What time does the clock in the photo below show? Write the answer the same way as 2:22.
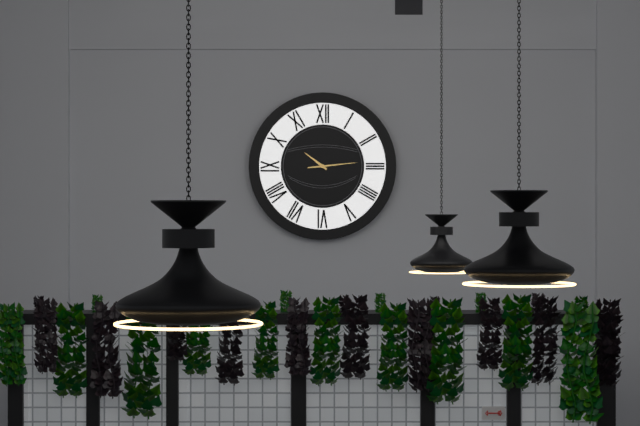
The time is 10:14
